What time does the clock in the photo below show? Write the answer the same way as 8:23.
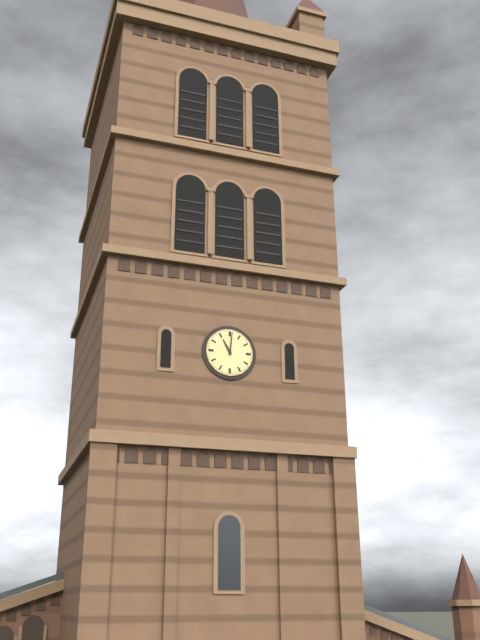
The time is 11:01
